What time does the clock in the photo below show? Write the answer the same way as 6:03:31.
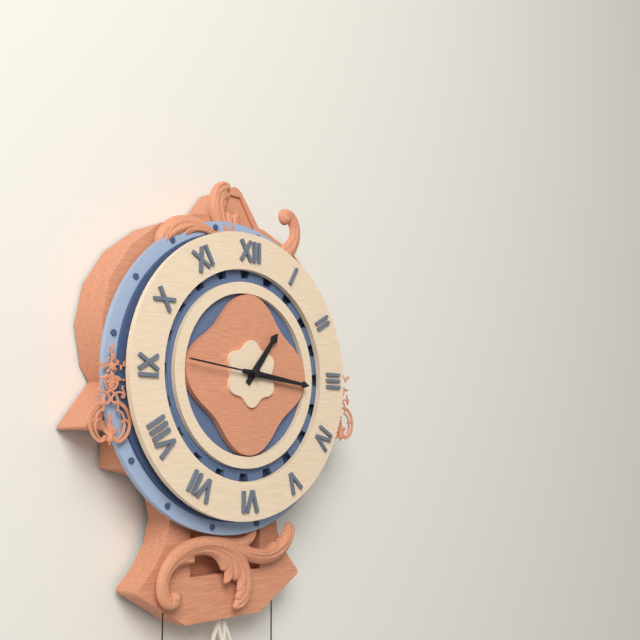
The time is 1:16:46
